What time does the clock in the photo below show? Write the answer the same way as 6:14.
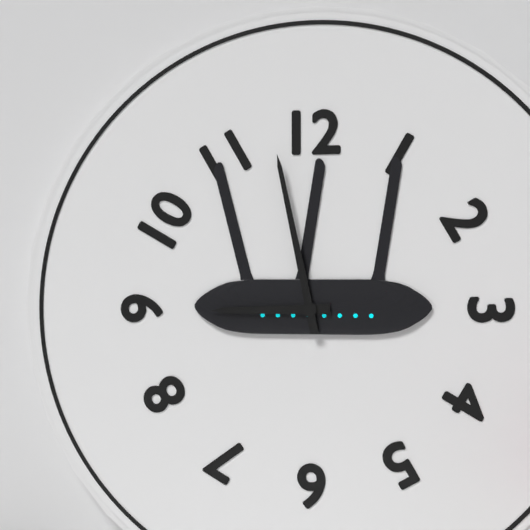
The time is 8:58
